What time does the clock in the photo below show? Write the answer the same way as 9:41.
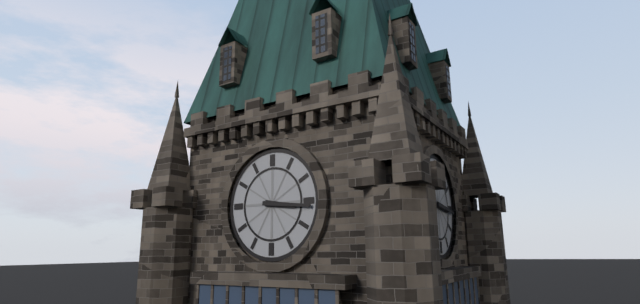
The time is 3:16
